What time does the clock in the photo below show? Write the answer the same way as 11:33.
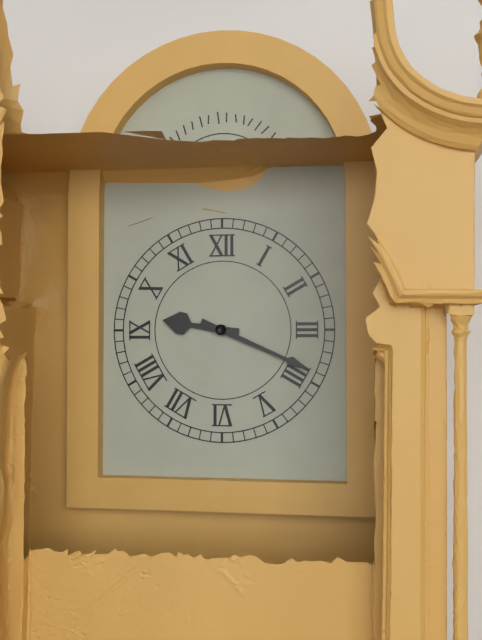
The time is 9:19
